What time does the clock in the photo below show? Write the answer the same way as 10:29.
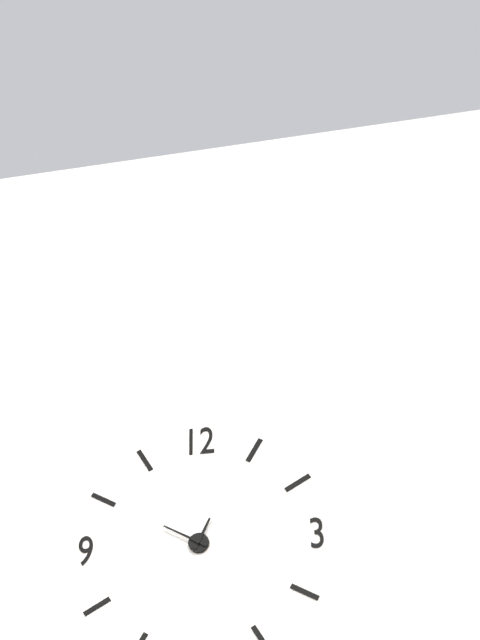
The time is 12:50
